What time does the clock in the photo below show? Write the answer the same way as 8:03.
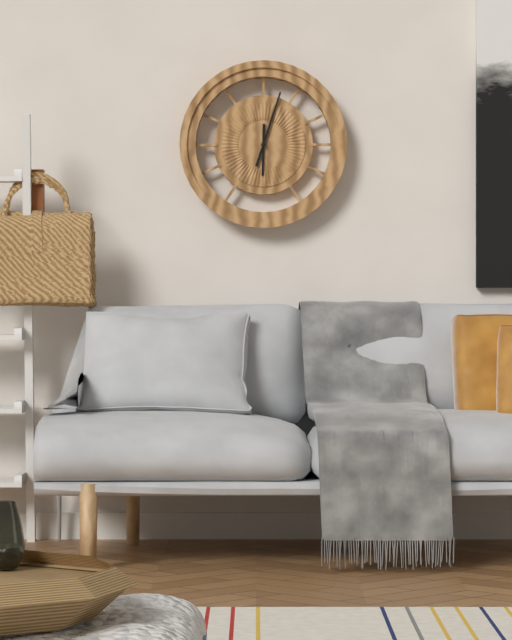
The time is 6:03
